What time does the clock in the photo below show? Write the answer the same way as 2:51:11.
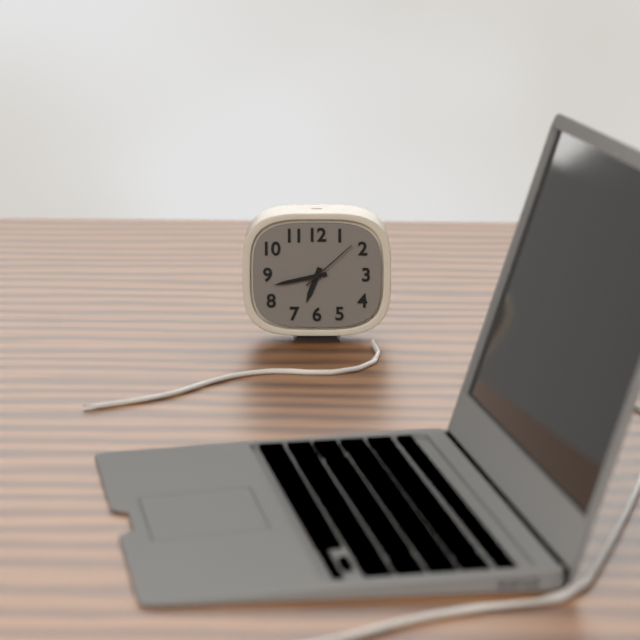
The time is 6:43:08
